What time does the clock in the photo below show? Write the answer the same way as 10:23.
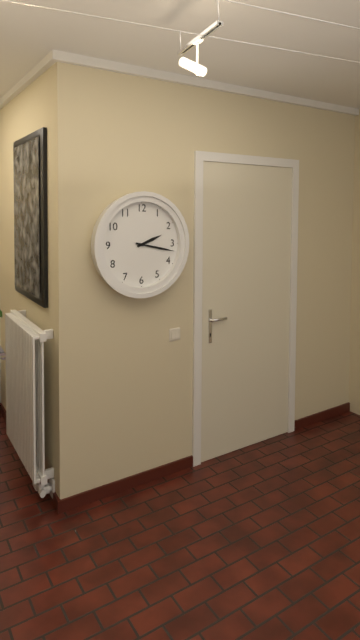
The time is 2:17
